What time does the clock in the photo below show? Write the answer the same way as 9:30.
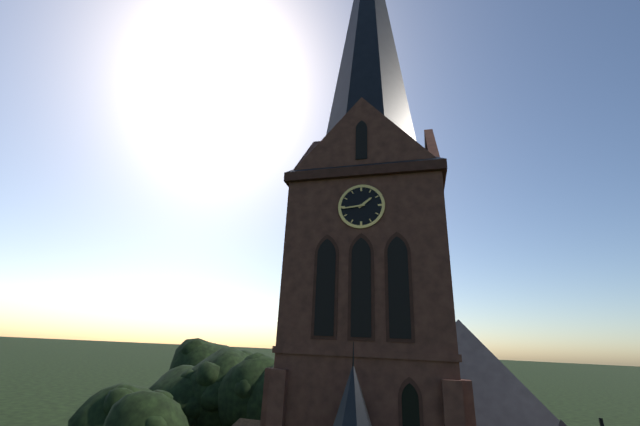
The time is 1:44
